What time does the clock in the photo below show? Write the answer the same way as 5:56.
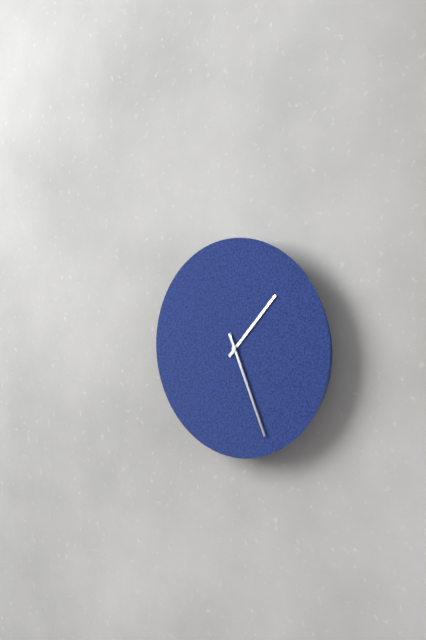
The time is 1:26
